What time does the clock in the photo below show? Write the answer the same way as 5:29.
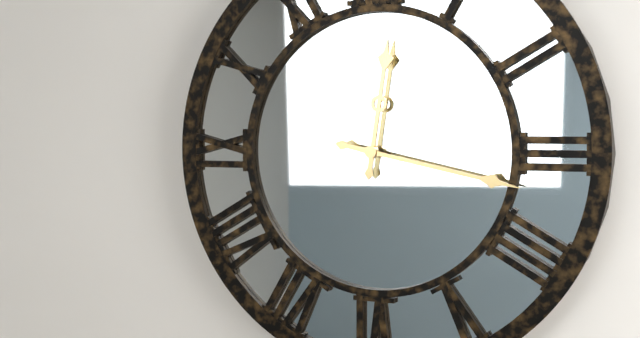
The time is 12:17
